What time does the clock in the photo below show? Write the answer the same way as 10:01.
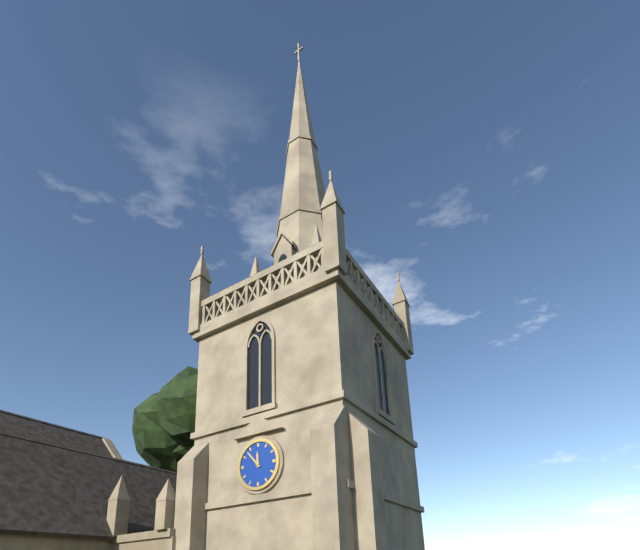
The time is 11:53
